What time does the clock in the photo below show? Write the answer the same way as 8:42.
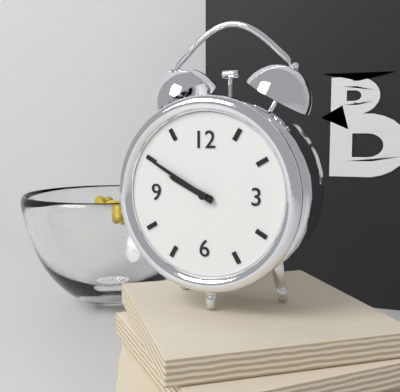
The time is 9:50
